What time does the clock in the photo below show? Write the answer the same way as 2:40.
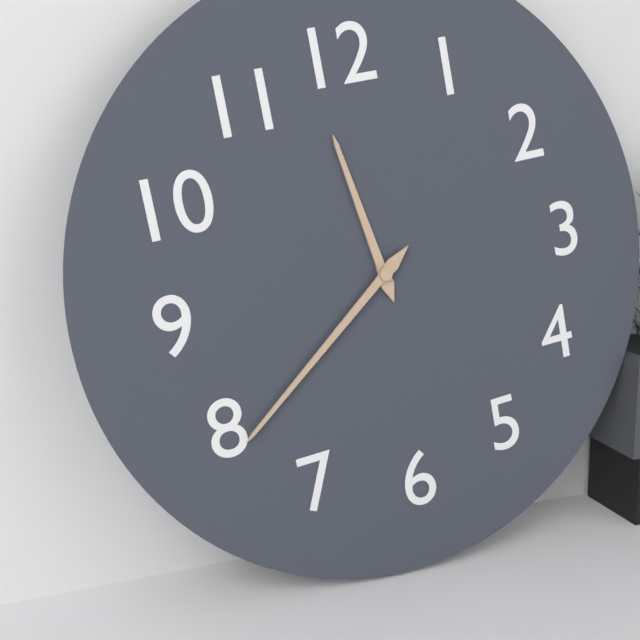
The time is 11:39
